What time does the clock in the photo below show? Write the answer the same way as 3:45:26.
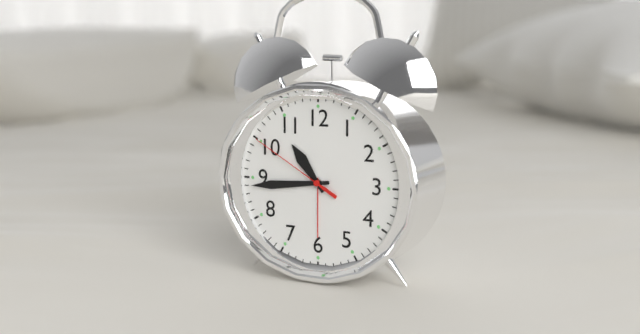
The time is 10:44:50
